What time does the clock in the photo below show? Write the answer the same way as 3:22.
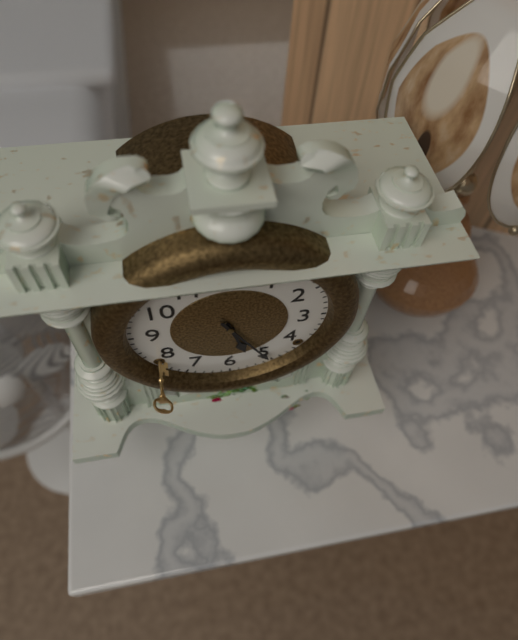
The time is 5:25
